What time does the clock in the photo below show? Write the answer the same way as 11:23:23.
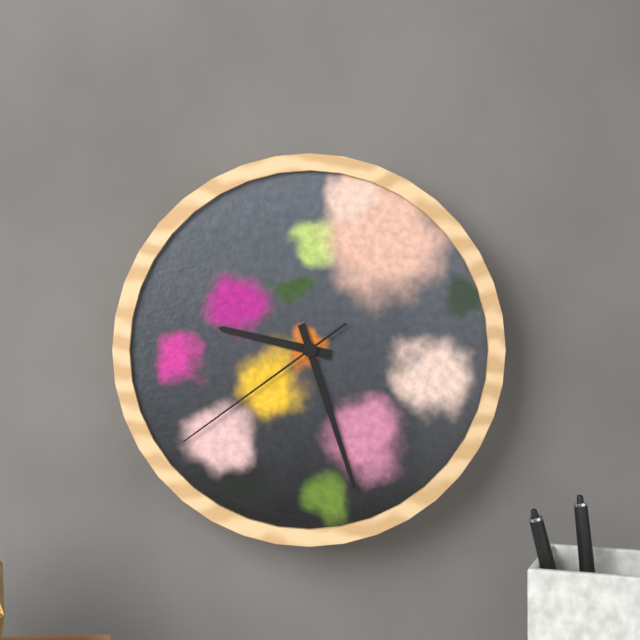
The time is 9:27:39
